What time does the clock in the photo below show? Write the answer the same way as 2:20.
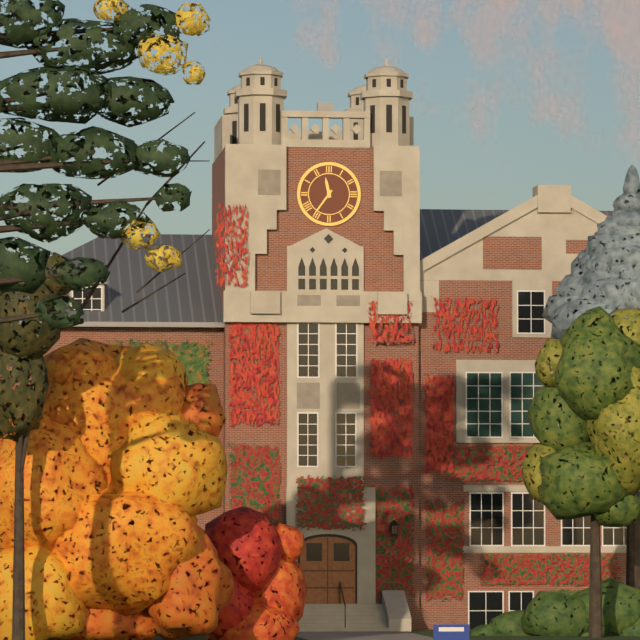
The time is 11:36
